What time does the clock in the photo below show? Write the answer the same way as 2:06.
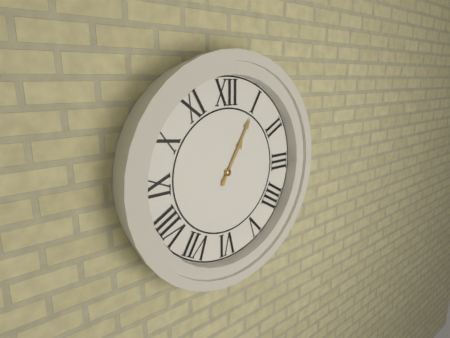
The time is 1:05
